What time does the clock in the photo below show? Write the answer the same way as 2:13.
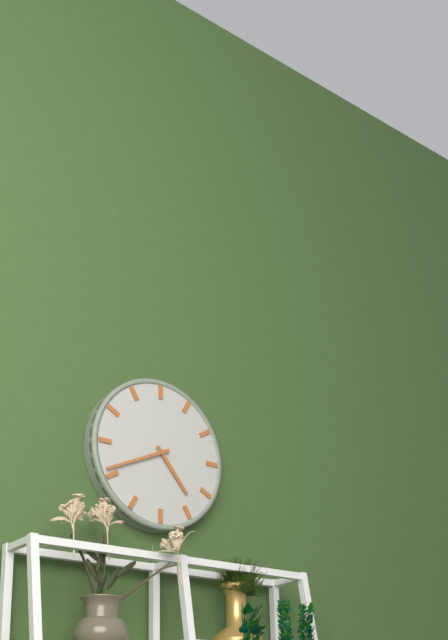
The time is 4:41
